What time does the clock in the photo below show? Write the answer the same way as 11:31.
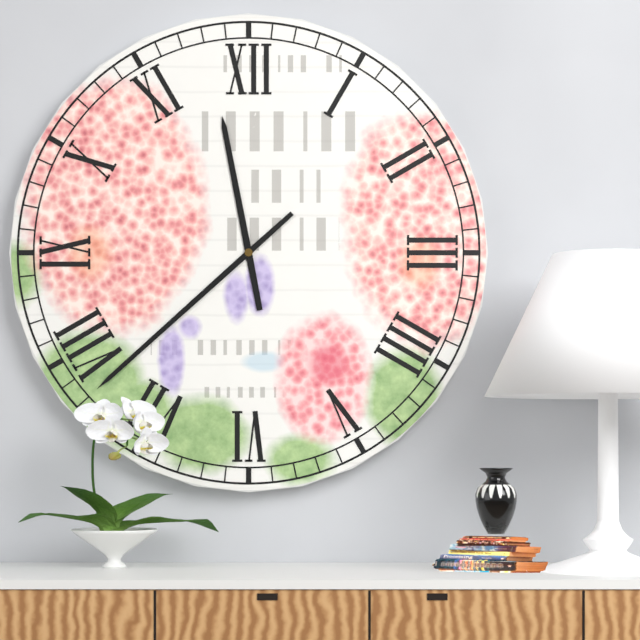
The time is 11:38
